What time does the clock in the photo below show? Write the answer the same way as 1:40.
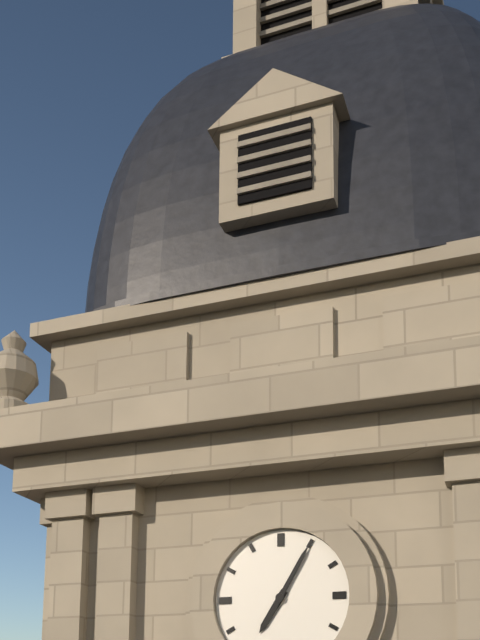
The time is 7:05
